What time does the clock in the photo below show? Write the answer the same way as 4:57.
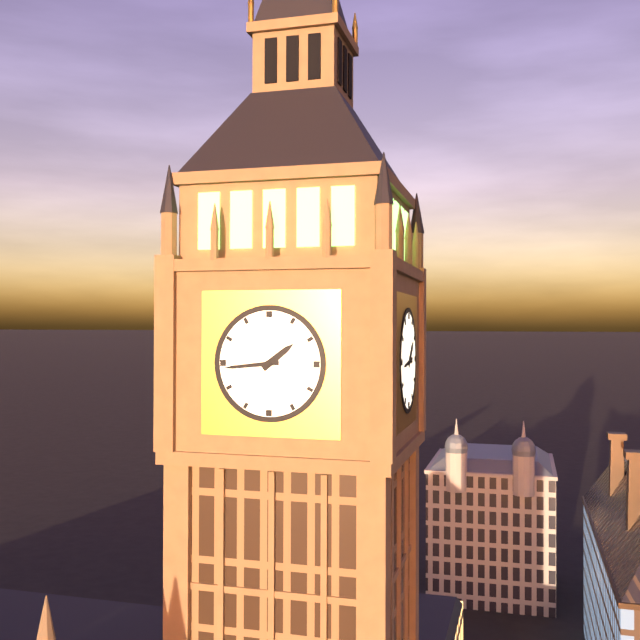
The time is 1:44
